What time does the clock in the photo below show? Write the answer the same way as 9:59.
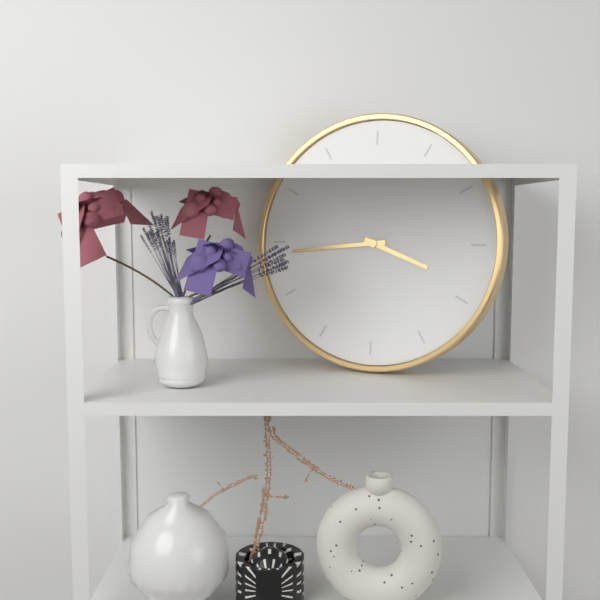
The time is 3:44
